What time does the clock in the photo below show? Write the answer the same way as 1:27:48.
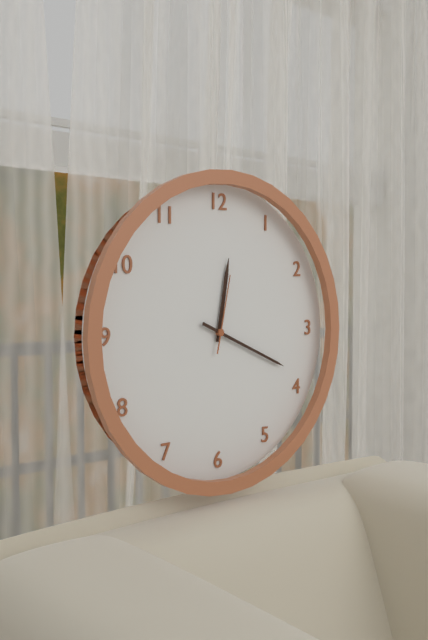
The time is 12:19:02
